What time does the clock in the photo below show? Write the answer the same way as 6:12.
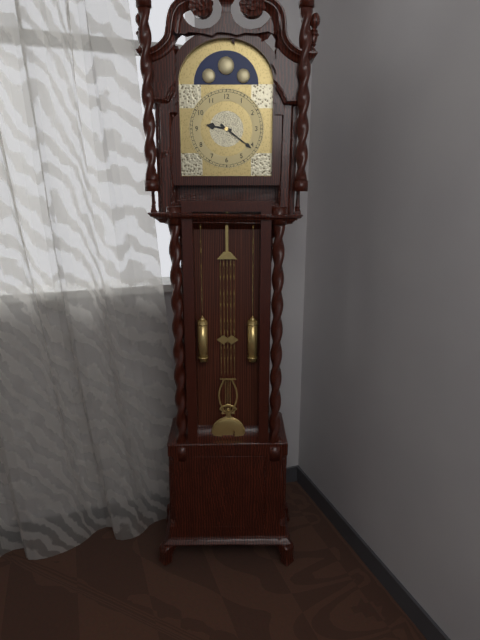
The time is 9:21
